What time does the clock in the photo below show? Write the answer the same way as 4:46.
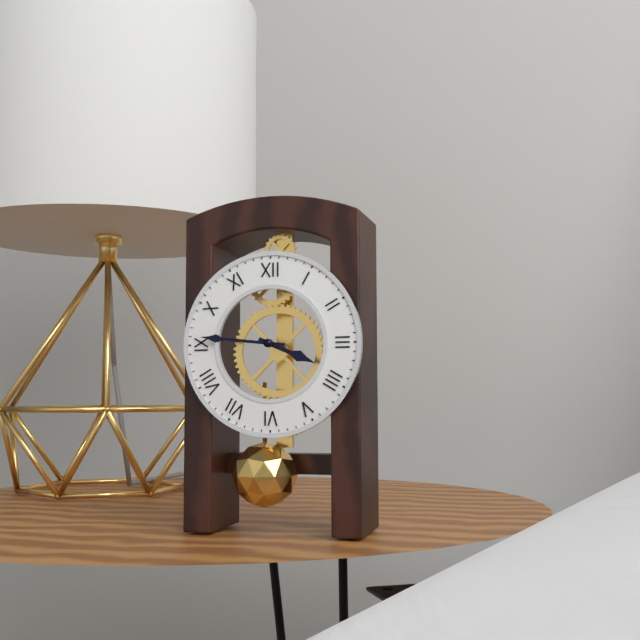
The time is 3:46
